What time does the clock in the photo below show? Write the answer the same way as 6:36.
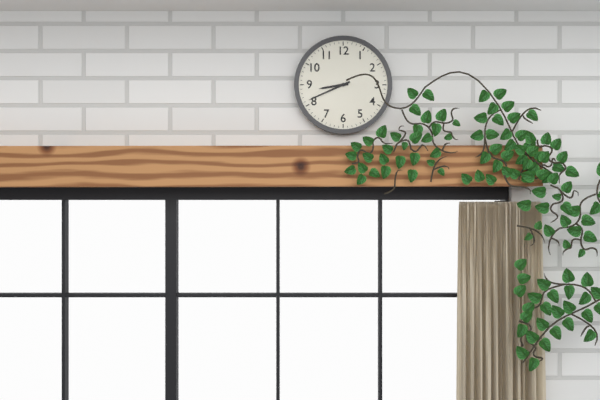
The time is 8:41
